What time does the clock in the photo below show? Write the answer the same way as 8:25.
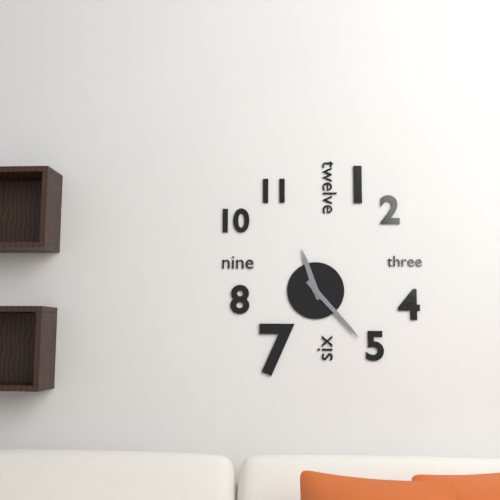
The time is 11:23
